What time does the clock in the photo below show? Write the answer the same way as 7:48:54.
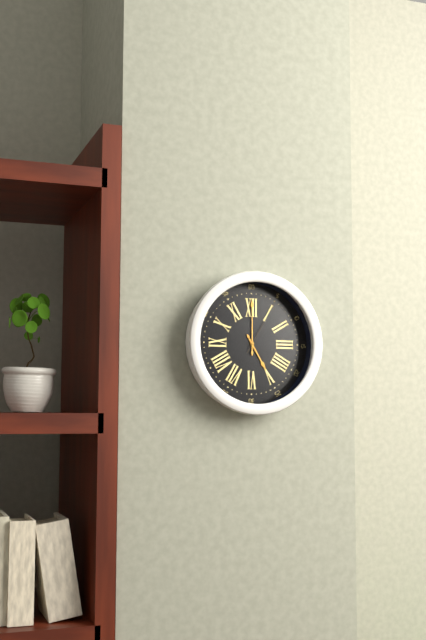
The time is 5:00:05
